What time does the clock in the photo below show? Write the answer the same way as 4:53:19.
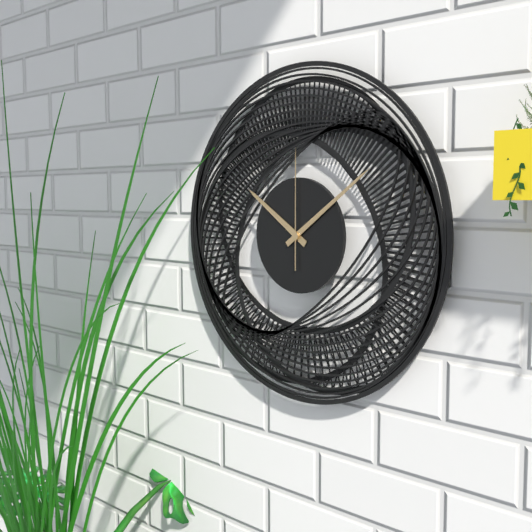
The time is 10:09:00
